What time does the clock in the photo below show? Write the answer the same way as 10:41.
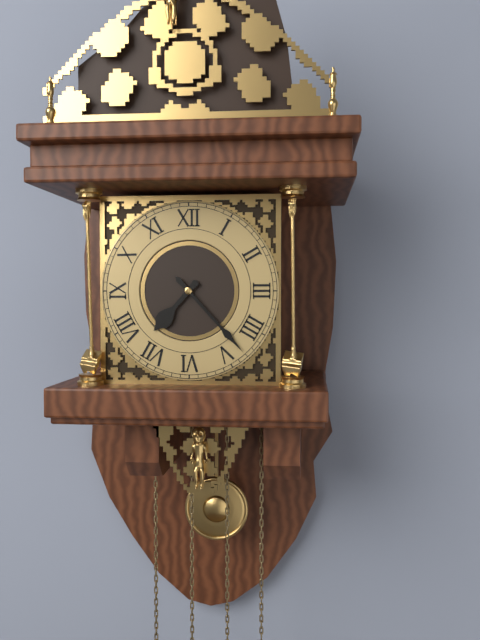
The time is 7:23
